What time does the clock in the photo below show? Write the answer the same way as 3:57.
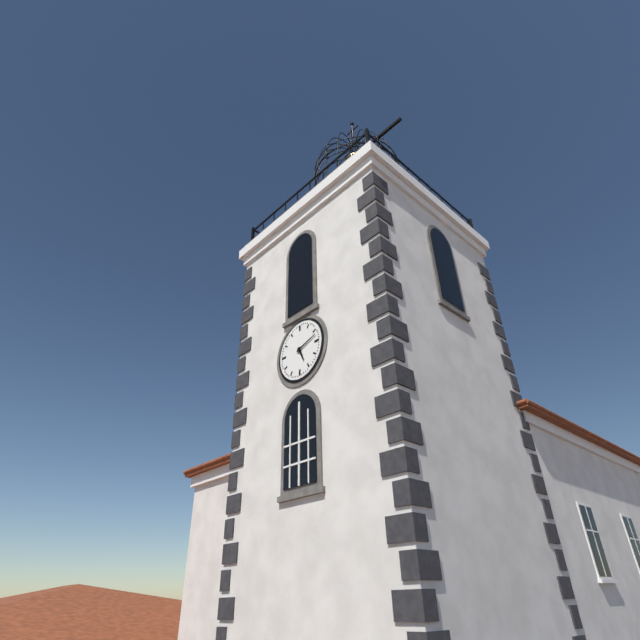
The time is 5:12
